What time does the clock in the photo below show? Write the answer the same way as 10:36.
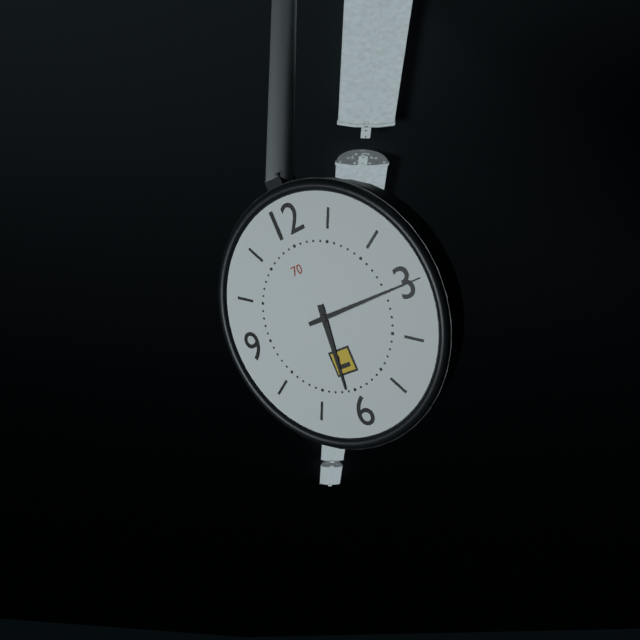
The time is 6:15
